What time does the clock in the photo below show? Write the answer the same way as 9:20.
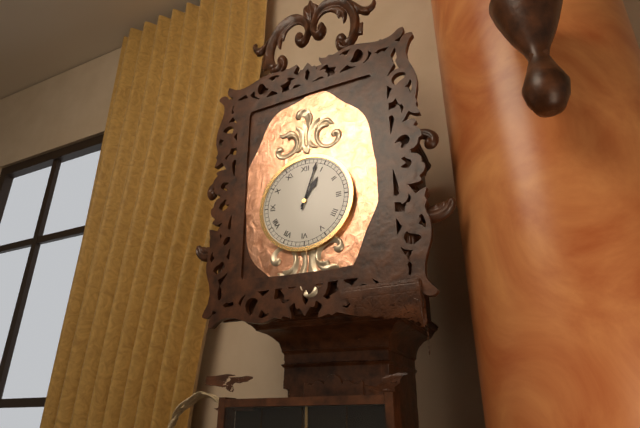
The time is 1:03
